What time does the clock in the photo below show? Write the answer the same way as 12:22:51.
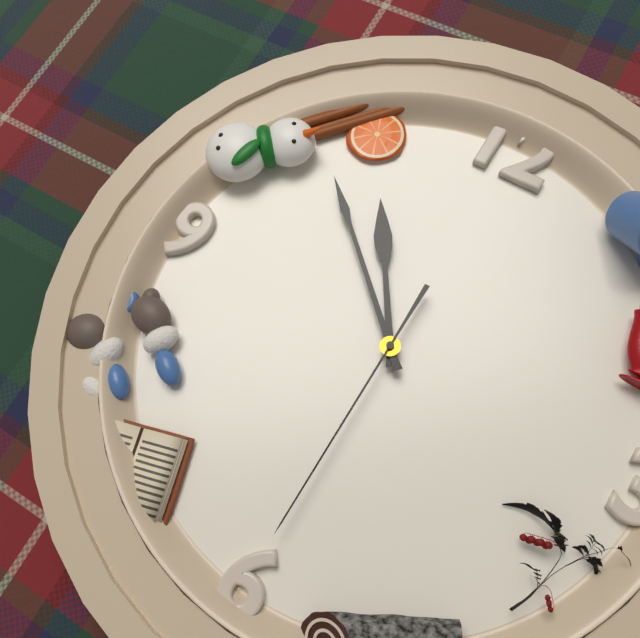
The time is 10:52:30
